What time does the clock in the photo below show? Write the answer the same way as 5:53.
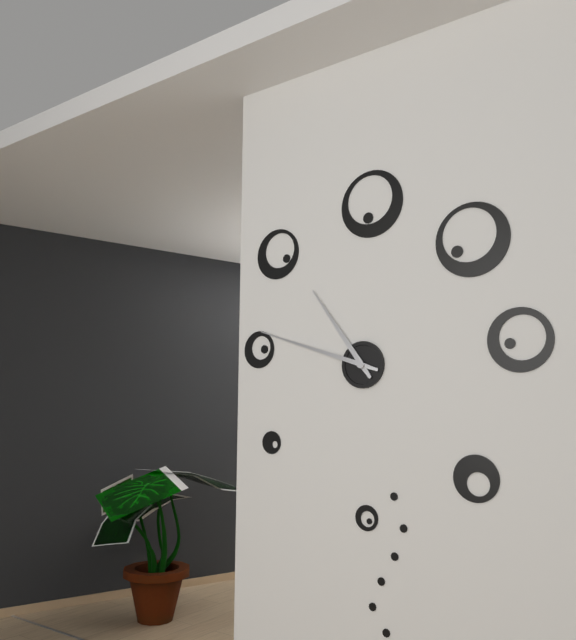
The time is 10:48
